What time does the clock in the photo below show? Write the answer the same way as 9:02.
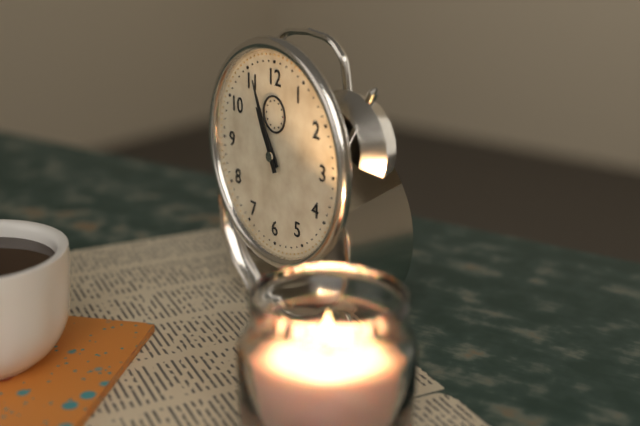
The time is 10:56
